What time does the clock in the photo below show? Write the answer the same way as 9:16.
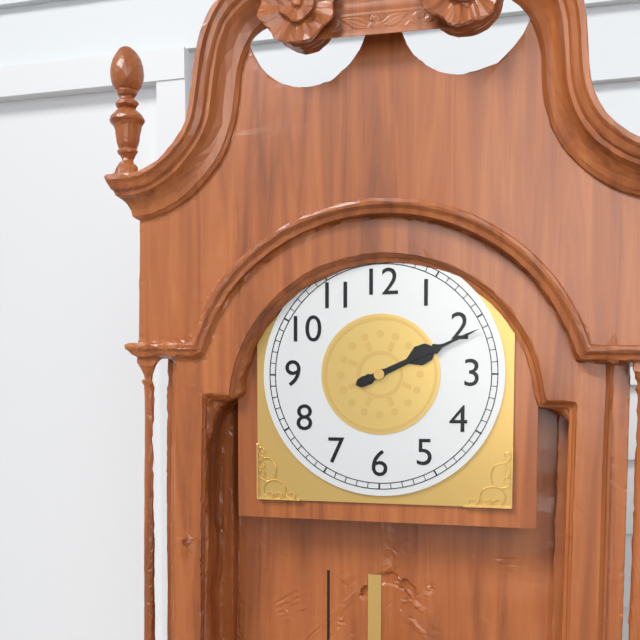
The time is 2:11
